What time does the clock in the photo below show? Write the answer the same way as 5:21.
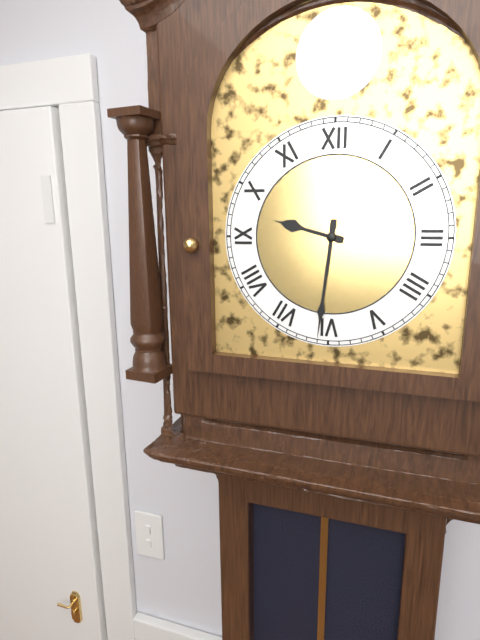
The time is 9:31
